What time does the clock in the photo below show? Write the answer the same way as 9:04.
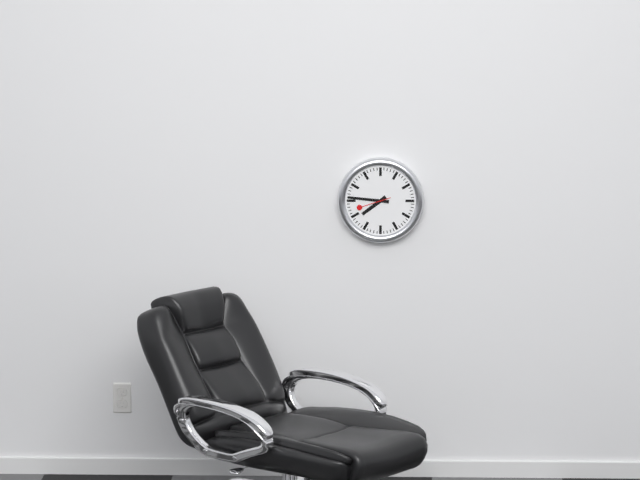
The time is 7:46
